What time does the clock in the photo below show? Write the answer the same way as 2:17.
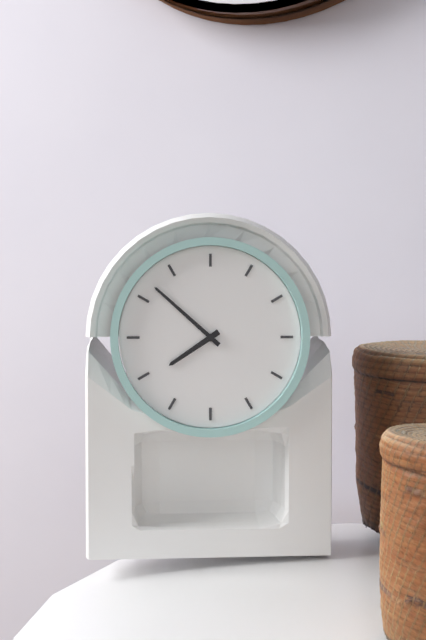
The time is 7:52
